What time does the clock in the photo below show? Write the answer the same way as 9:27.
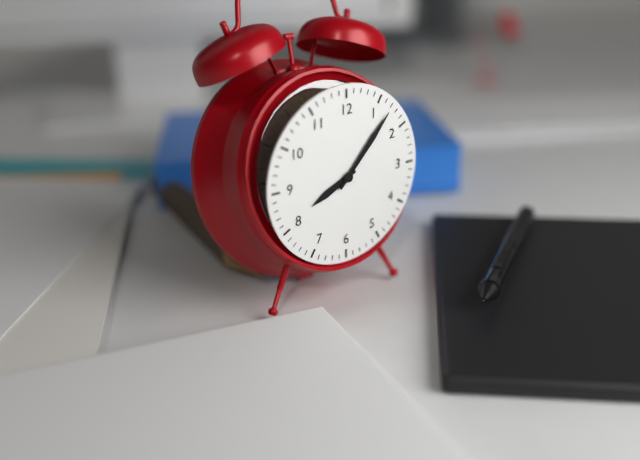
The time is 8:07
